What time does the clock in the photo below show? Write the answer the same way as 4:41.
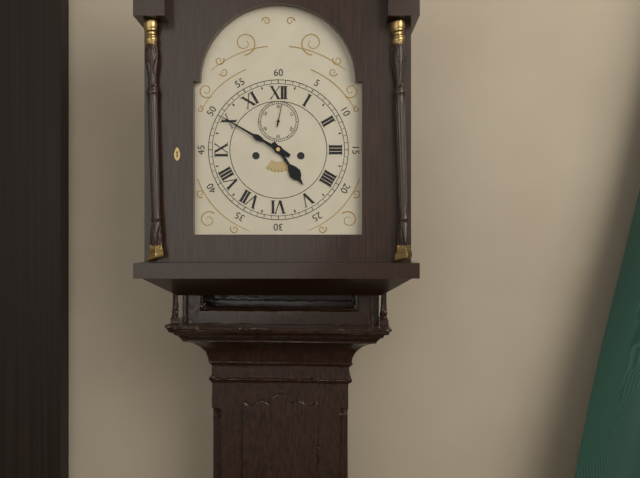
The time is 4:50
